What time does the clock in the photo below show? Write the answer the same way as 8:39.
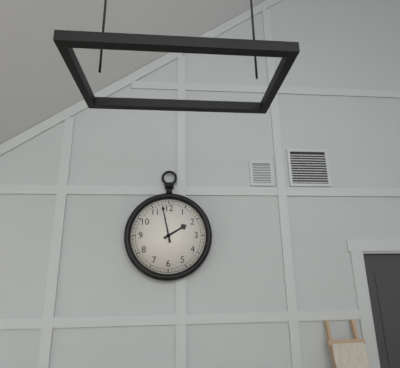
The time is 1:58
